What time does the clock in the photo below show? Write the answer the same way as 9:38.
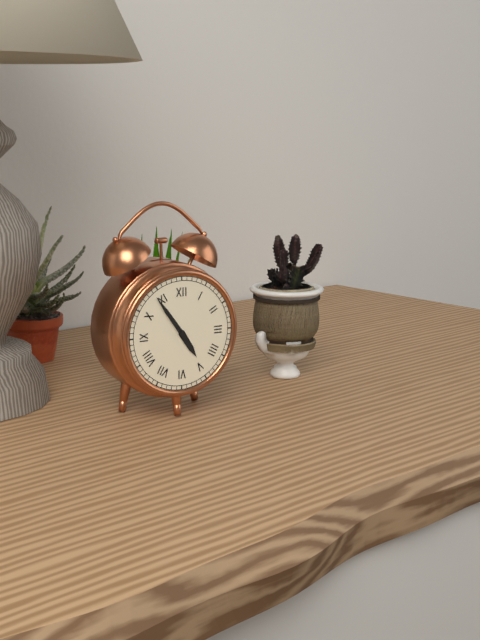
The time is 4:54
